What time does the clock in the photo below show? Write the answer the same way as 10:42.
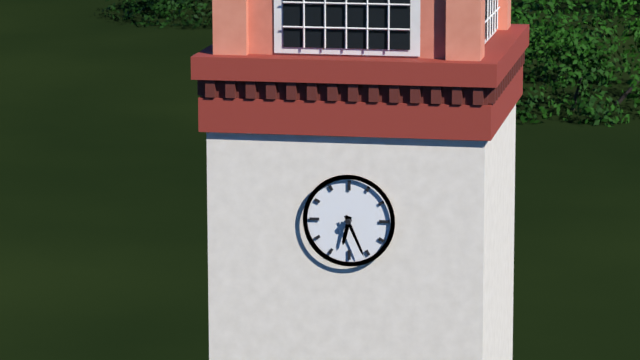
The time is 6:26
